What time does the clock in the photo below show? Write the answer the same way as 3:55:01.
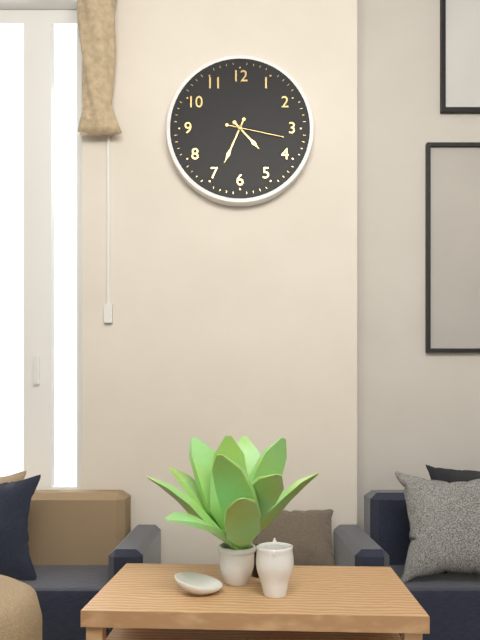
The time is 4:34:17
